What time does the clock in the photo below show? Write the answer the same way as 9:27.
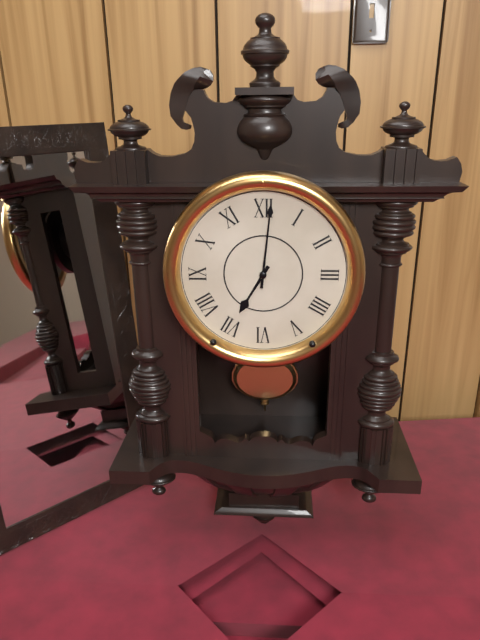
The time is 7:01
